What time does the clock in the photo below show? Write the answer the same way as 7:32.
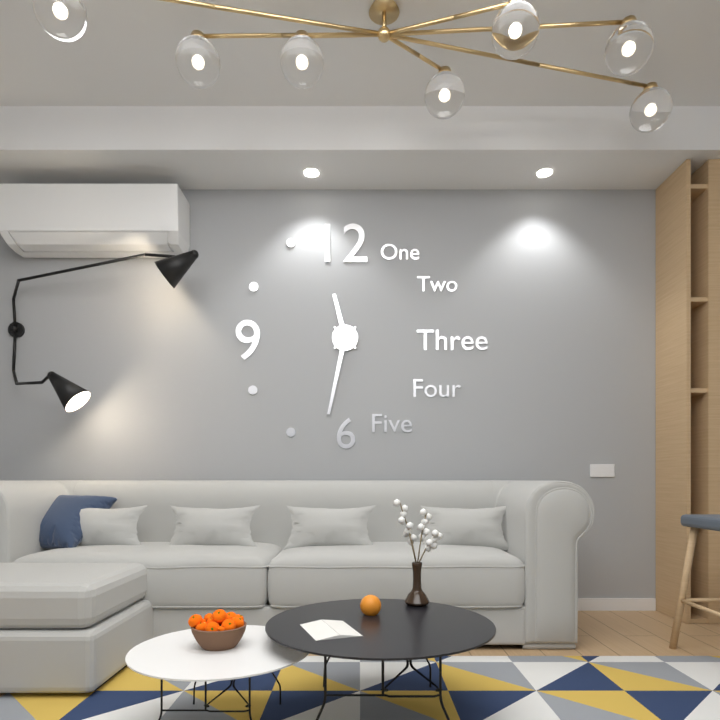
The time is 11:32
